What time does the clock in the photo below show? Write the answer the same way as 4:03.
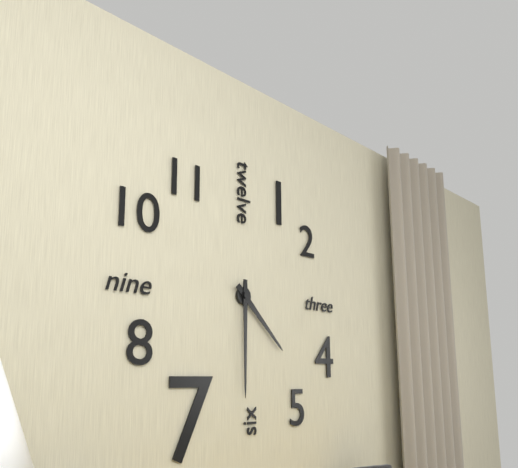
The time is 4:30
